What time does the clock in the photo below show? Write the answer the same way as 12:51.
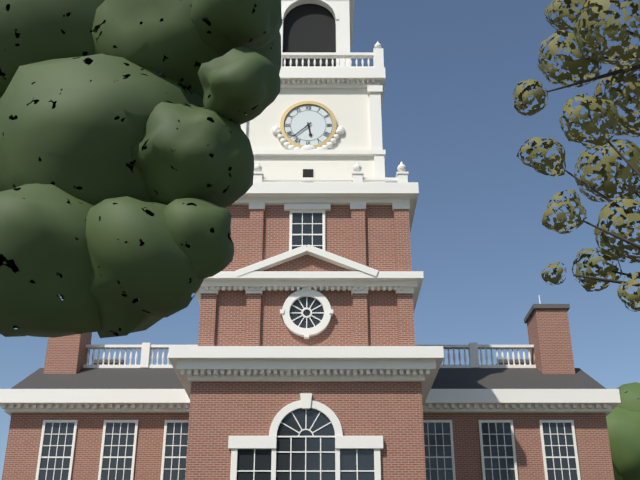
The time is 5:38
